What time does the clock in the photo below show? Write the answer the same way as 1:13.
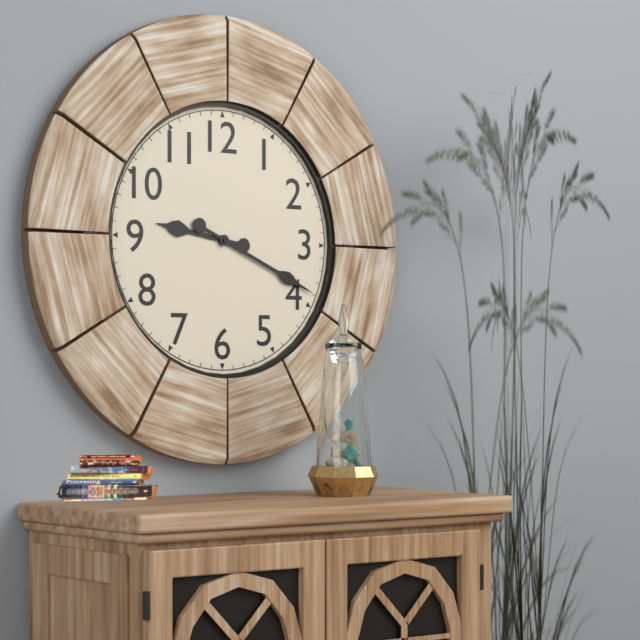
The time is 9:19
